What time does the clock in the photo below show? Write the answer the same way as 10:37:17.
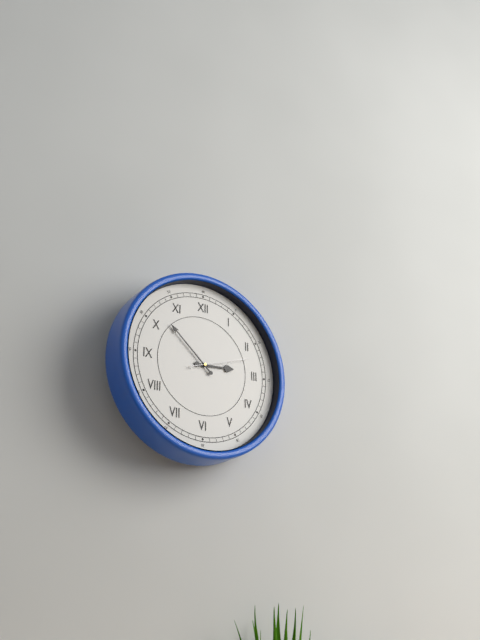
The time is 2:52:12
